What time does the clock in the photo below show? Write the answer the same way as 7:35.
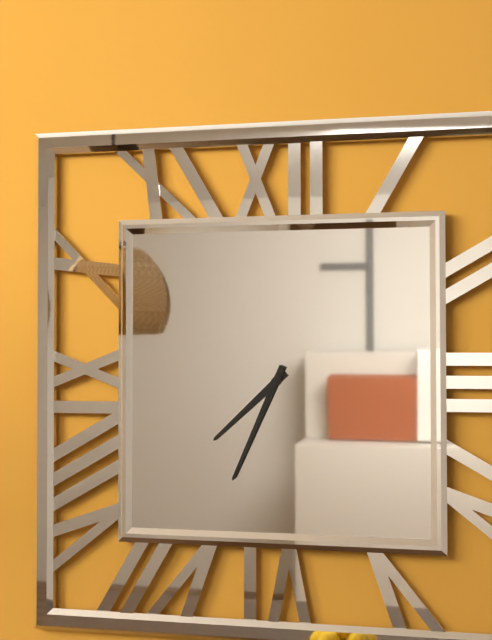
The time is 7:34
